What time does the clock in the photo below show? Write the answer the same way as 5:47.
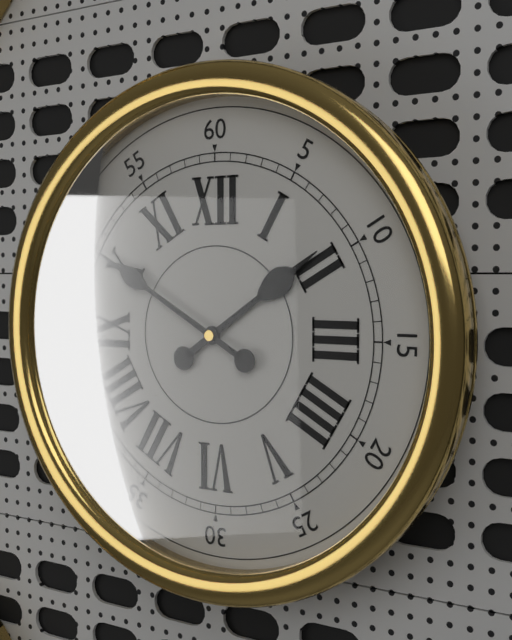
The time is 1:50
